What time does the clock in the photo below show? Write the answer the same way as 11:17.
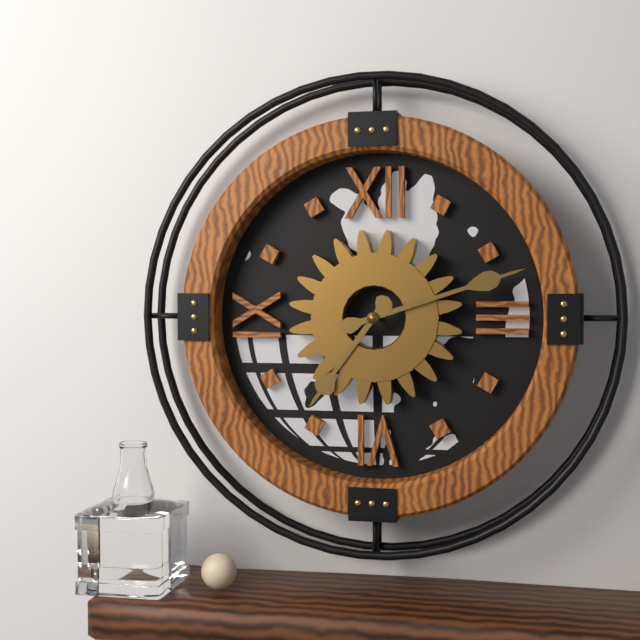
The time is 7:12
